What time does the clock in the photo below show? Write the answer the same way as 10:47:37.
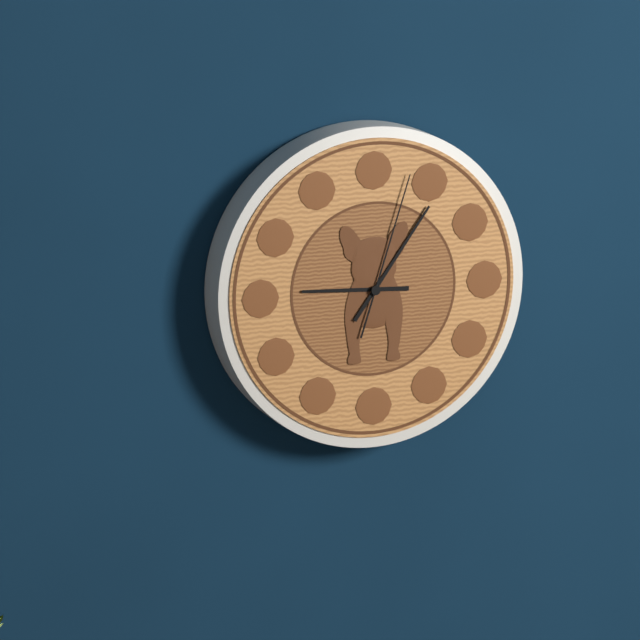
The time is 9:06:03
